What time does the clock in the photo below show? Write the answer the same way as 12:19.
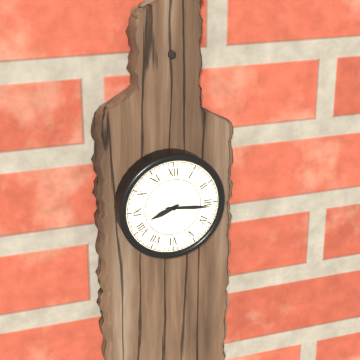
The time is 8:16
